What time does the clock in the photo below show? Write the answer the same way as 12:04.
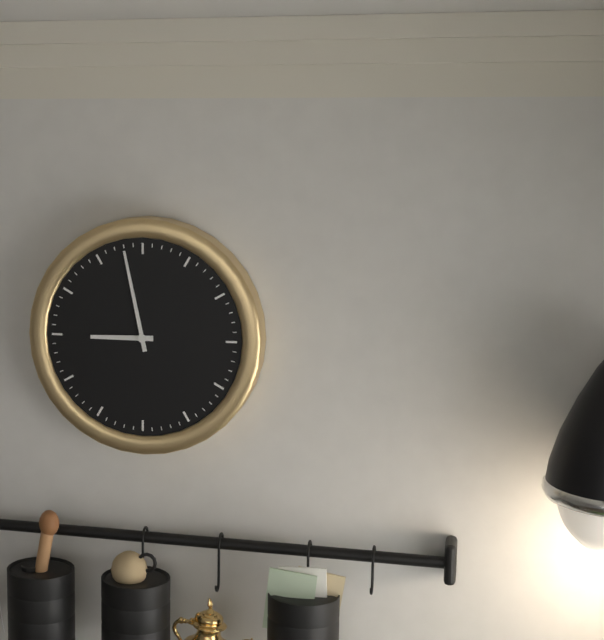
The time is 8:58
